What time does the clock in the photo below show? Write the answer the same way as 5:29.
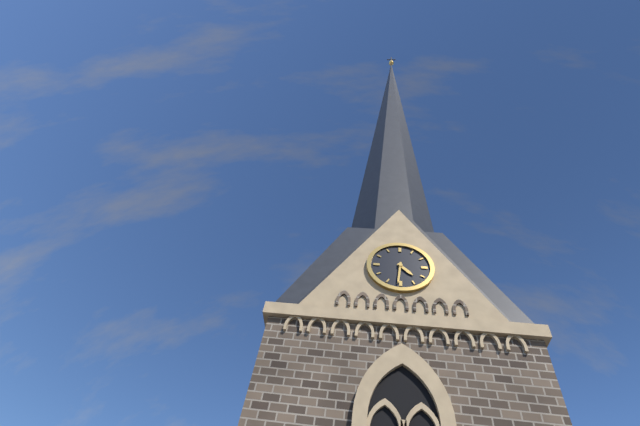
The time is 4:31
